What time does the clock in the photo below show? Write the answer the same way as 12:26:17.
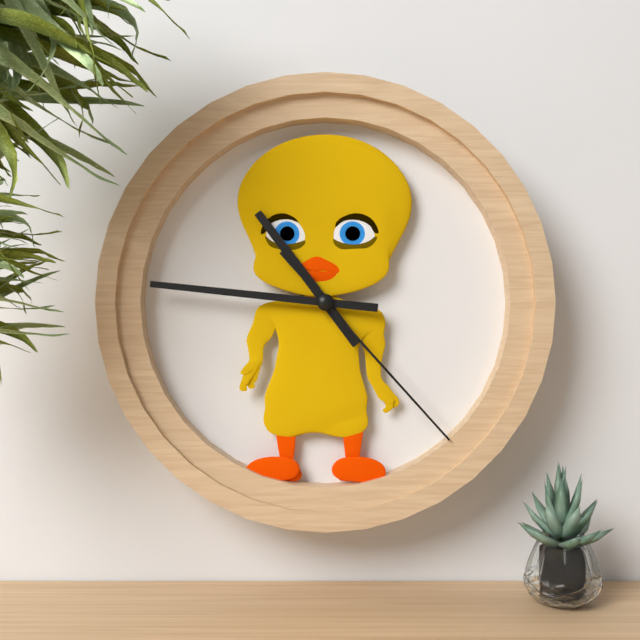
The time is 10:46:23
